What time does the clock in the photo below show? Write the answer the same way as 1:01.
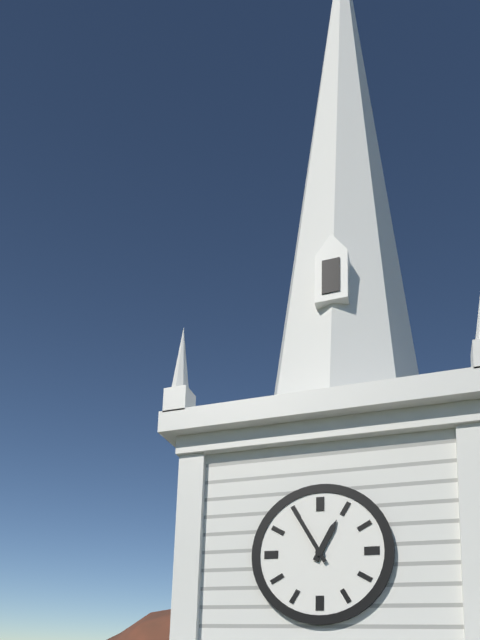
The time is 12:55
